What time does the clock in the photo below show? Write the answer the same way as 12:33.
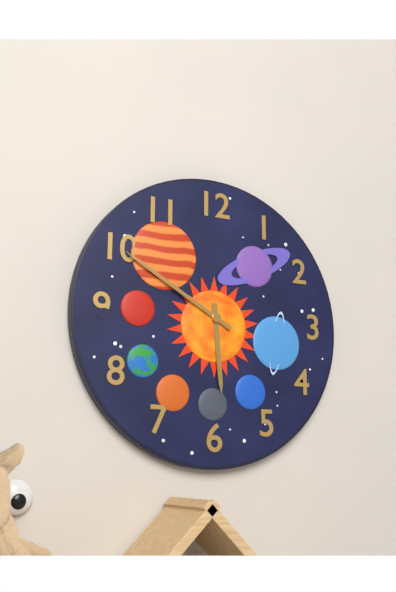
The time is 5:50
